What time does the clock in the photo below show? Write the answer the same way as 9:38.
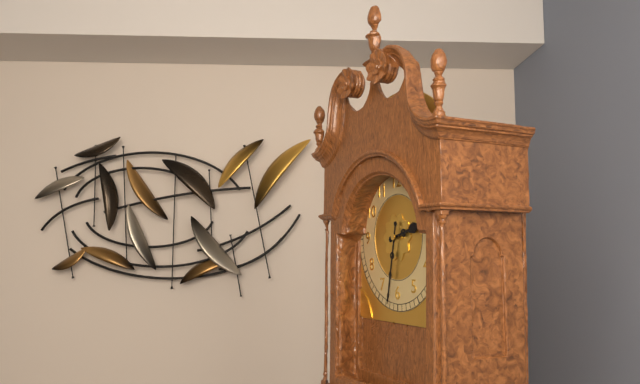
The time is 2:32
